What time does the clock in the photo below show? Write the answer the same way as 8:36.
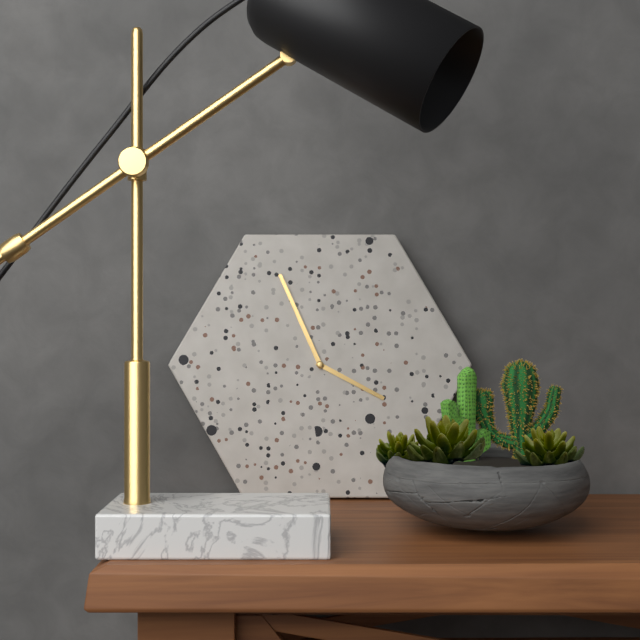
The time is 3:56
